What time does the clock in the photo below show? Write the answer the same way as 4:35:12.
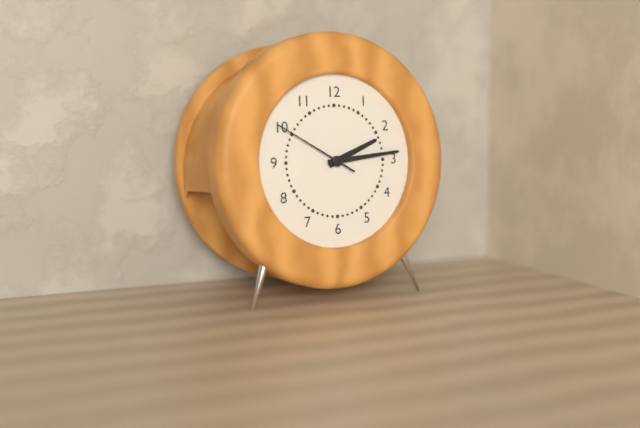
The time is 2:14:50
